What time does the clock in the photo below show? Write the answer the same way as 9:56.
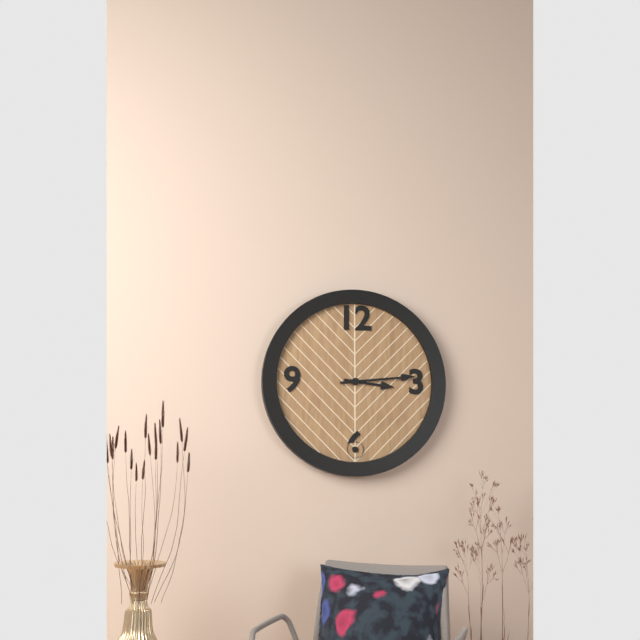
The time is 3:14
